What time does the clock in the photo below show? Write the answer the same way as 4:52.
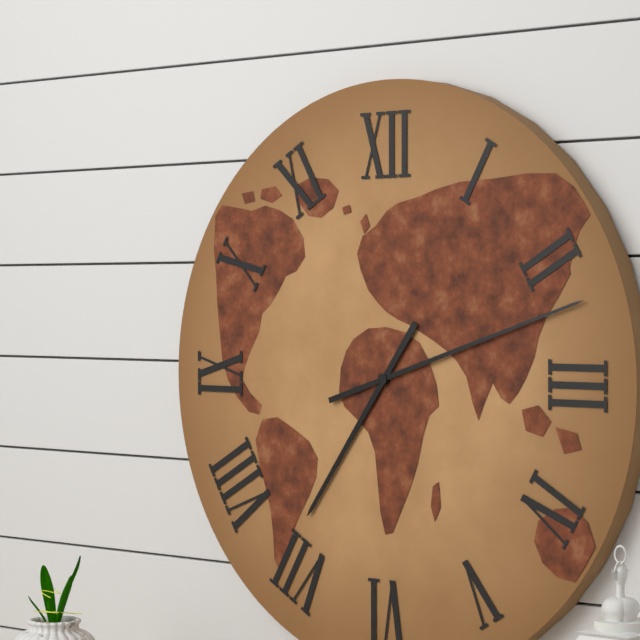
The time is 7:12
